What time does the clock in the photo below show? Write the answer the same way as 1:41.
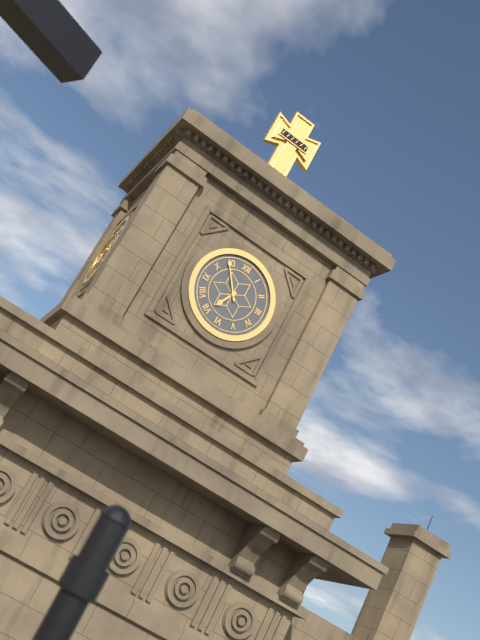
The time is 6:54
